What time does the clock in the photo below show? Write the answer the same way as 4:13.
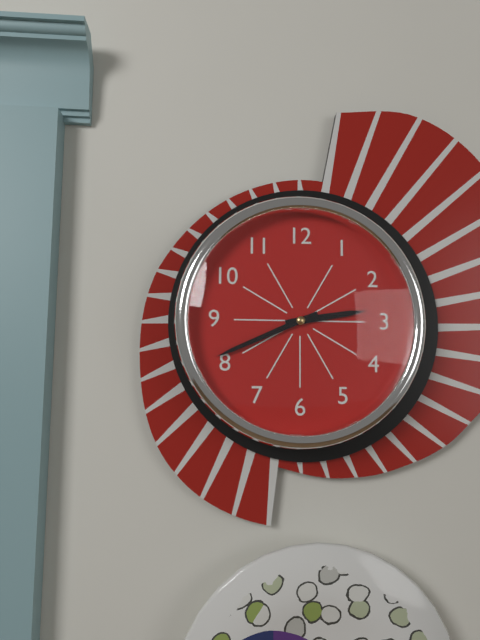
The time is 2:41
